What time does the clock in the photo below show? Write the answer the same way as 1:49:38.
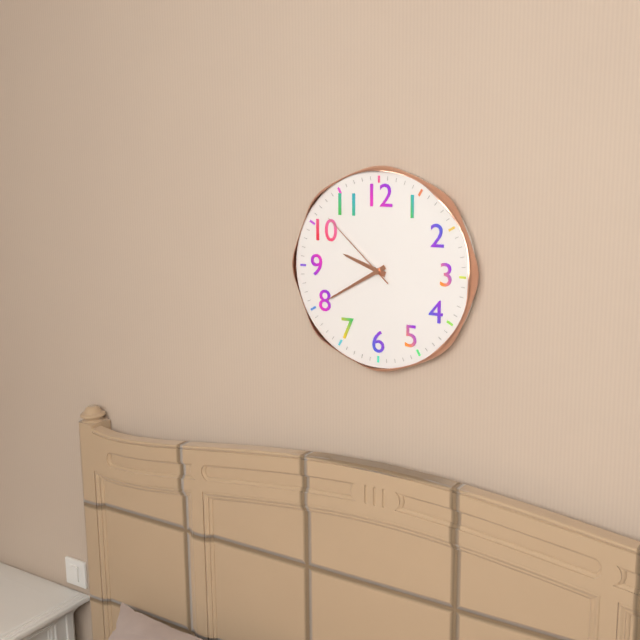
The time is 9:40:52
